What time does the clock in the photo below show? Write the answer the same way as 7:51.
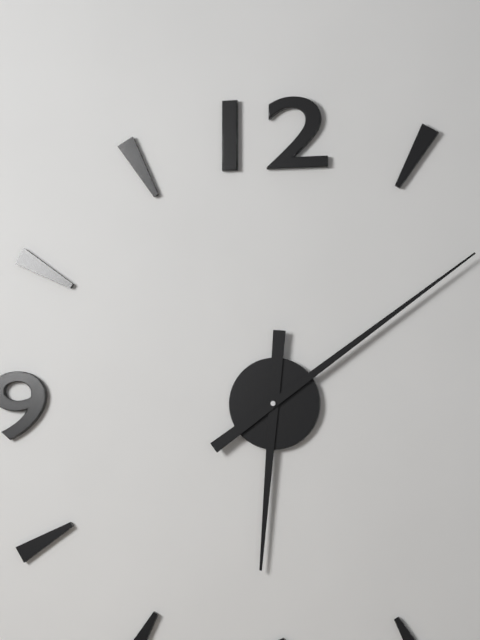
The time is 6:09
